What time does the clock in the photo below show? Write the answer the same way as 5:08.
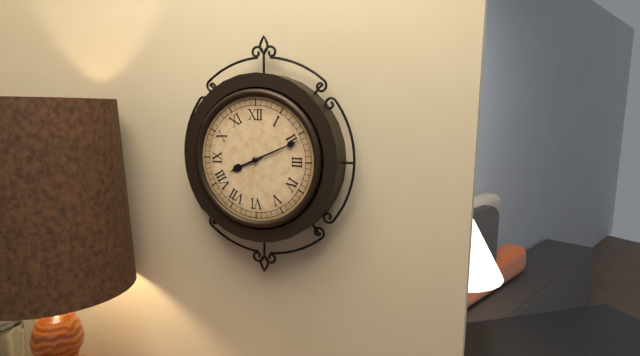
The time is 8:11
